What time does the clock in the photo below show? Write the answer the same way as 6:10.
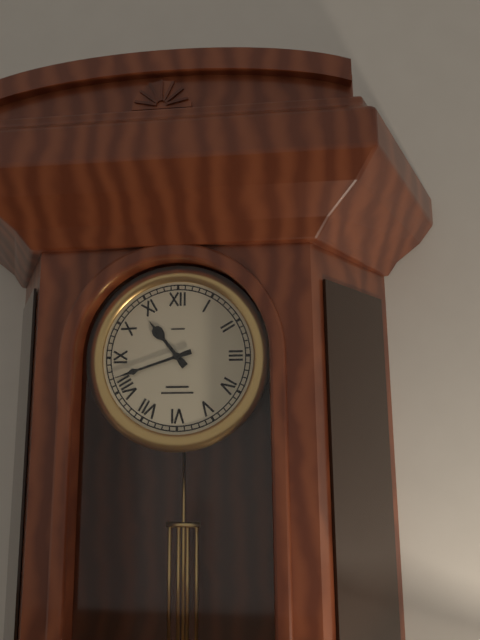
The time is 10:42
